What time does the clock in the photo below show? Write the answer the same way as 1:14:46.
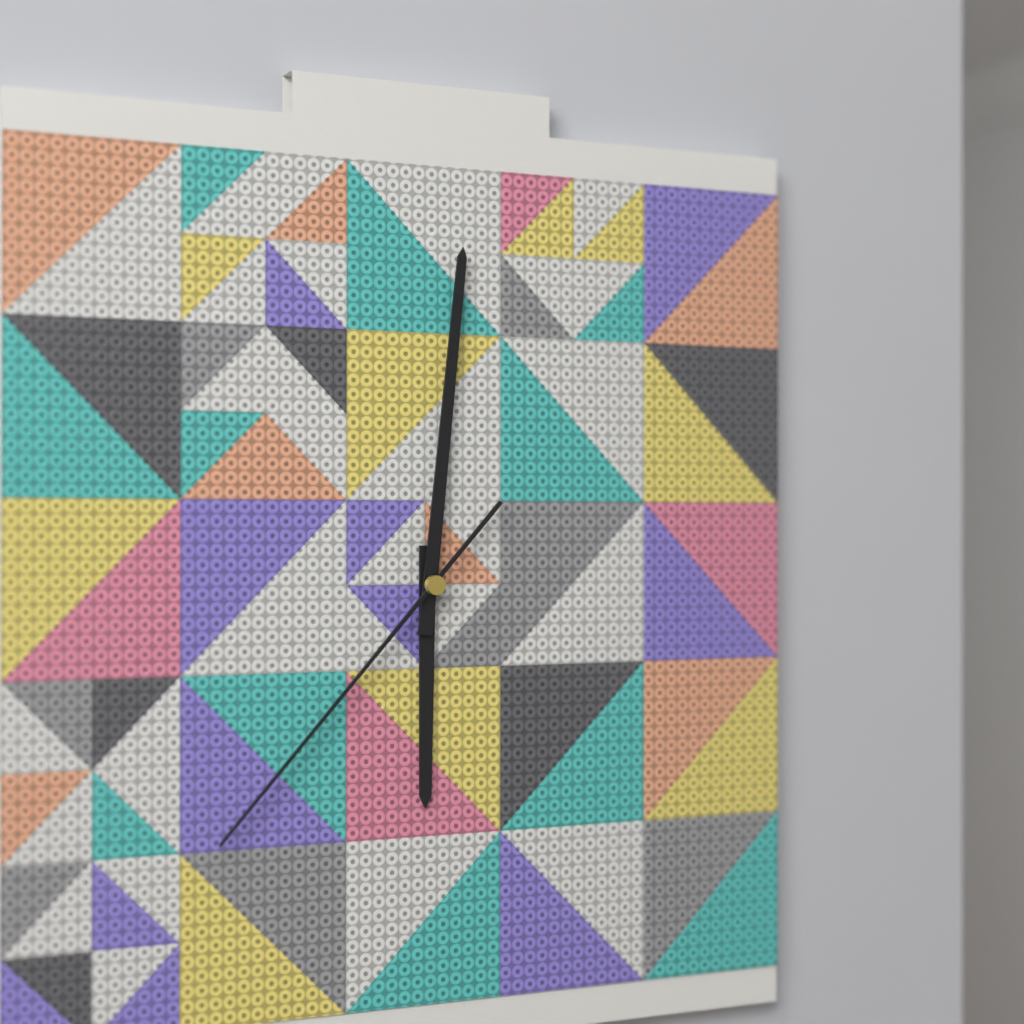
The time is 6:01:37
